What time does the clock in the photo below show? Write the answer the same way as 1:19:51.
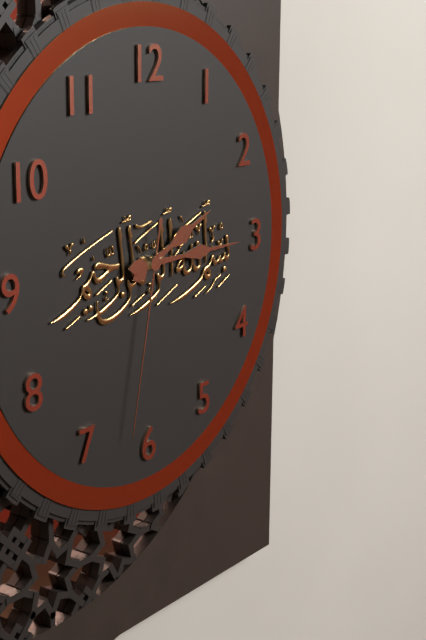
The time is 2:15:32
